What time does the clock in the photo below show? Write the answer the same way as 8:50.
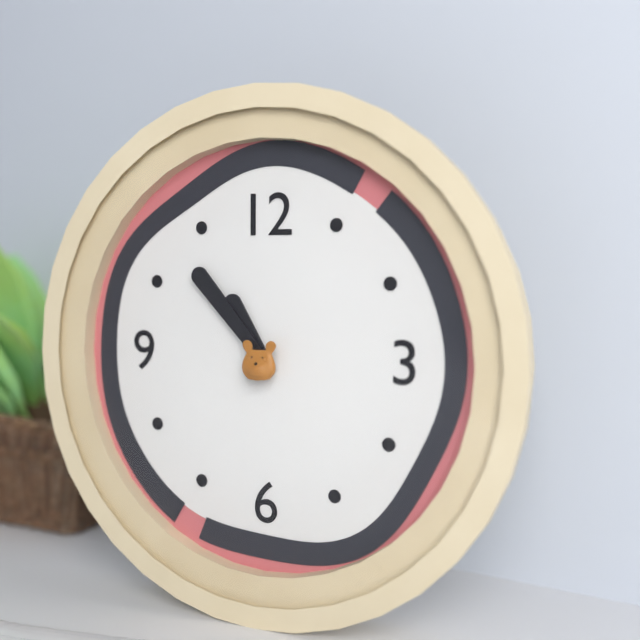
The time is 10:53
